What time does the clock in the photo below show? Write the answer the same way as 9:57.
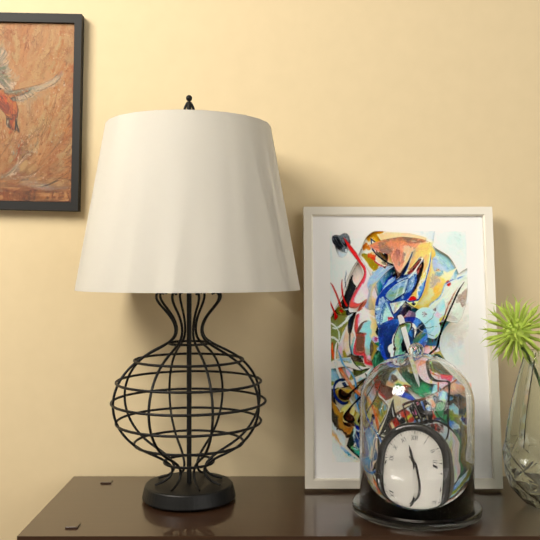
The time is 11:22
